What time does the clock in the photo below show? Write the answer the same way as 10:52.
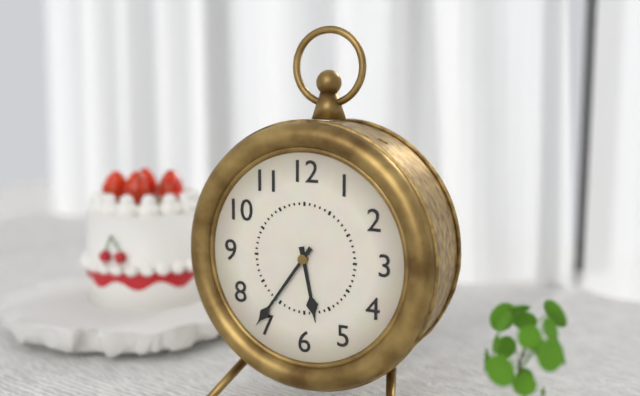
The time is 5:36
